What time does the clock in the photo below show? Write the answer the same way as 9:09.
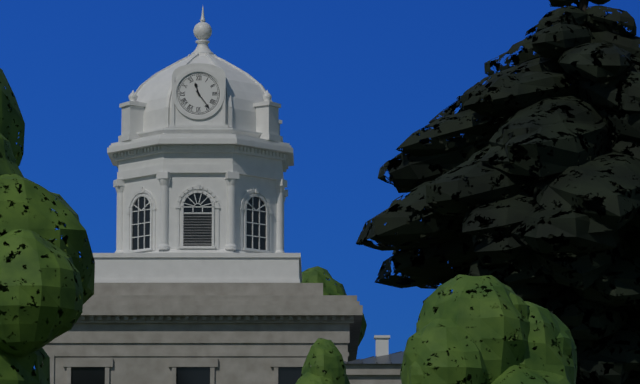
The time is 11:24
